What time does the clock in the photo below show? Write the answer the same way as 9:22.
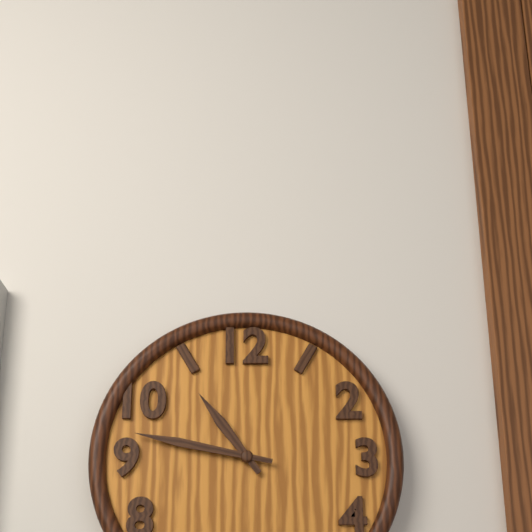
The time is 10:47
